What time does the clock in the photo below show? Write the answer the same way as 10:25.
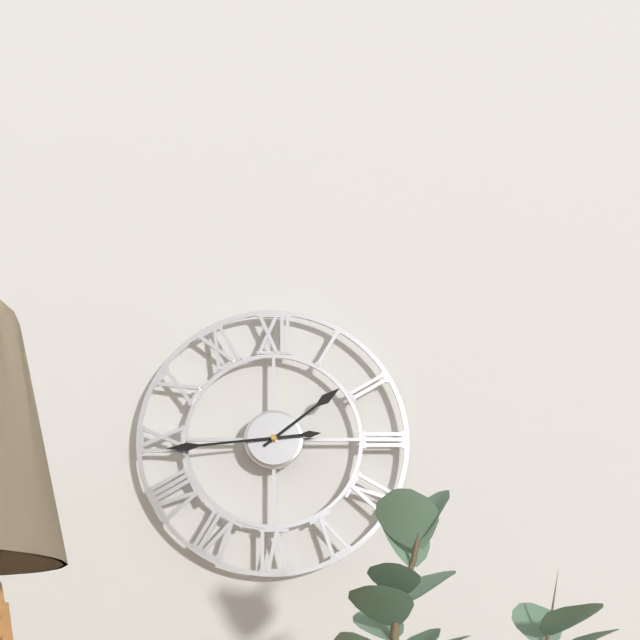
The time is 1:44
